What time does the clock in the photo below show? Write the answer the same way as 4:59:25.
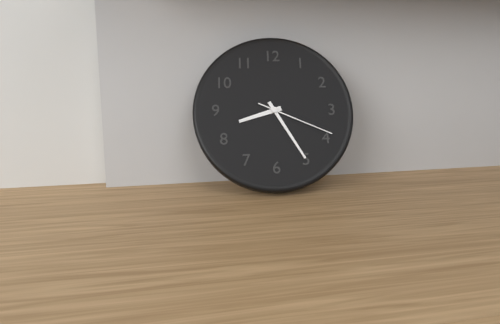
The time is 8:25:19
